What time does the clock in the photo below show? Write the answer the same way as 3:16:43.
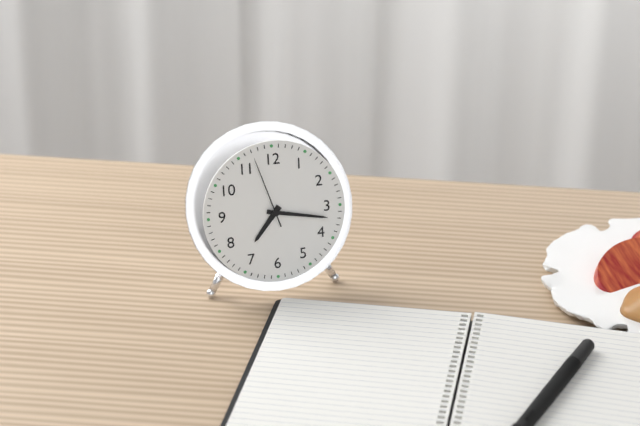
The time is 7:17:57
